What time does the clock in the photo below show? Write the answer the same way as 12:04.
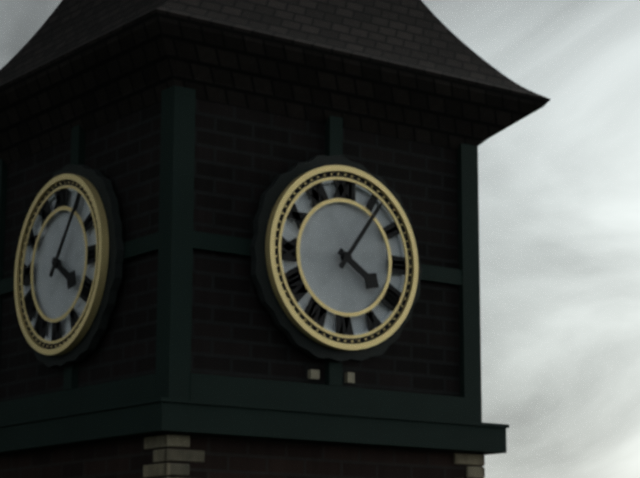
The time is 4:06
